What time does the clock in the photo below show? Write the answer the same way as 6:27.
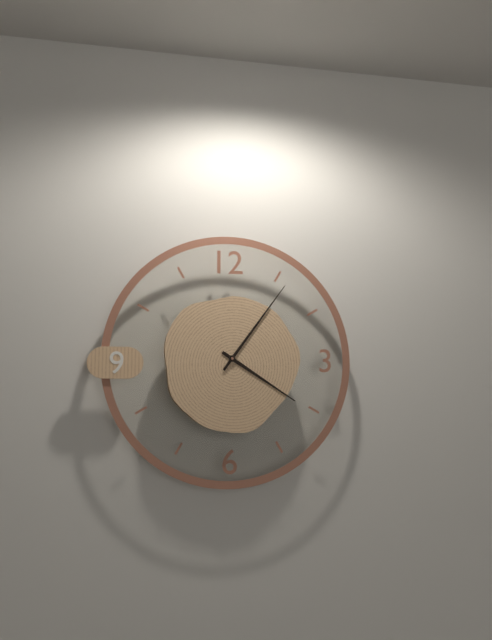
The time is 4:06
